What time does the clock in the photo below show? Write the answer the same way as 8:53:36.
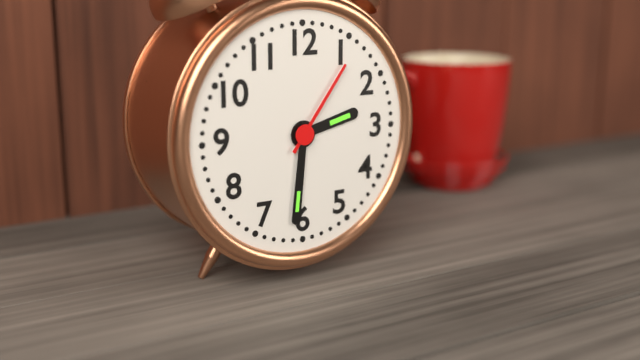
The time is 2:31:06
